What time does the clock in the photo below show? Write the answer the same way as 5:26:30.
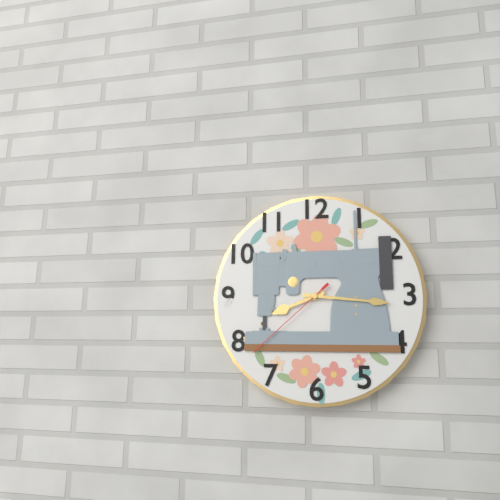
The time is 8:16:38
